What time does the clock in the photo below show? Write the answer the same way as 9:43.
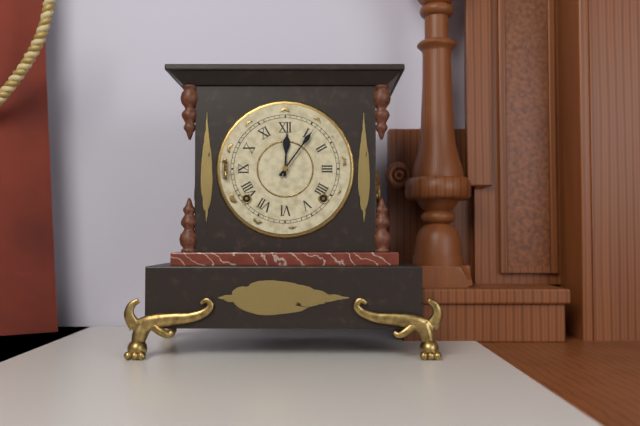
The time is 12:06
